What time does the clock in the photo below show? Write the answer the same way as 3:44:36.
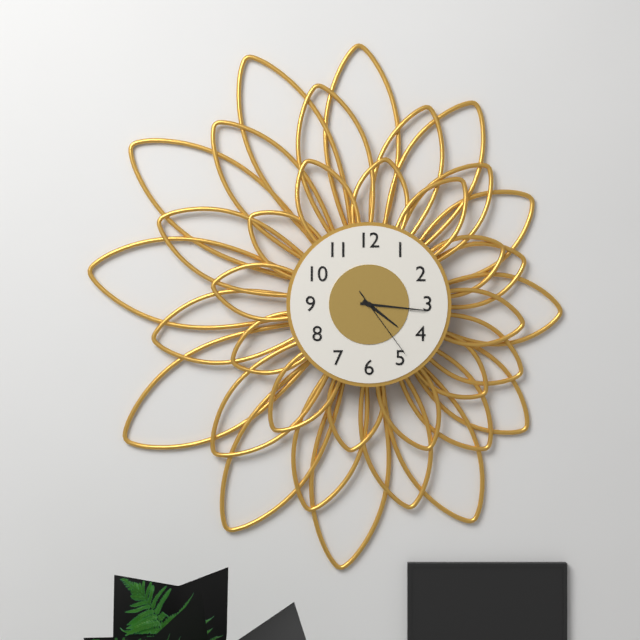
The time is 4:16:24
